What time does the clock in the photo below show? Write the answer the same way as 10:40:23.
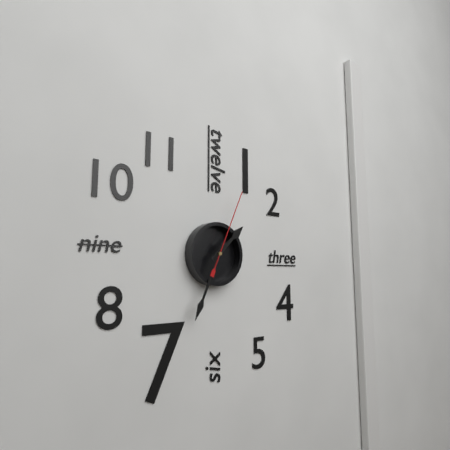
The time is 1:34:04
